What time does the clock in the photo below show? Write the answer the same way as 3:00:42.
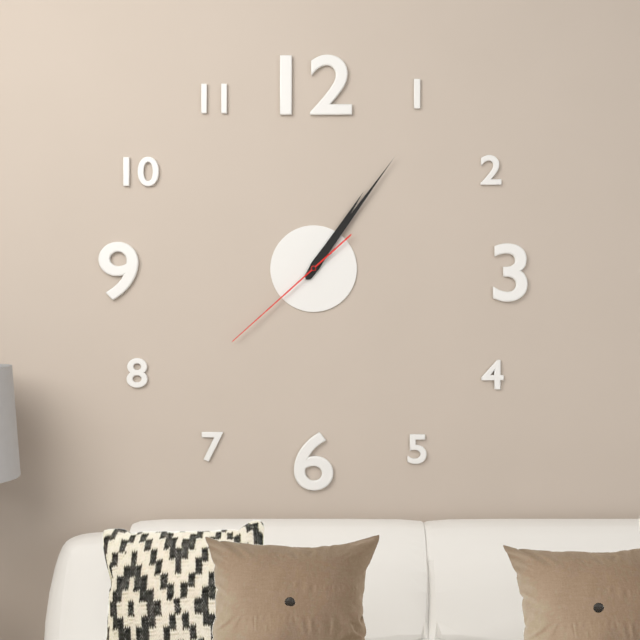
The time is 1:06:38
